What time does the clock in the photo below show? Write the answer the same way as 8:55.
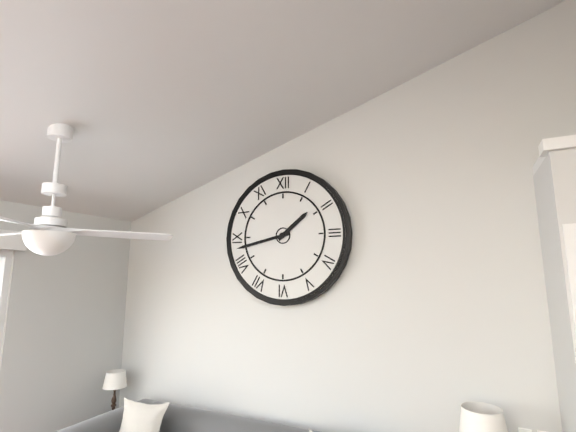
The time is 1:43
